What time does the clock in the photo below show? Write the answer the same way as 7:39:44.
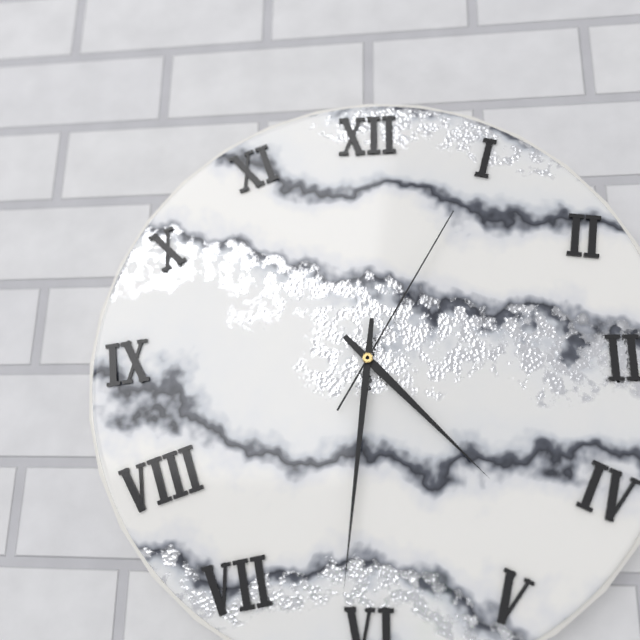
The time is 4:31:05
